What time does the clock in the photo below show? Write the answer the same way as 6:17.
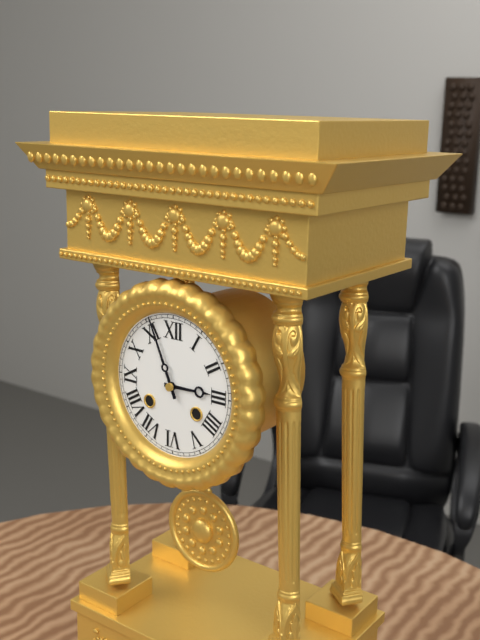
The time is 2:56
